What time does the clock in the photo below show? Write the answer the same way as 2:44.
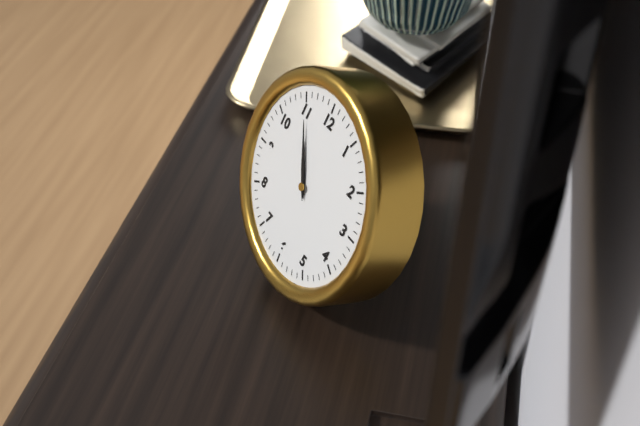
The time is 10:55
